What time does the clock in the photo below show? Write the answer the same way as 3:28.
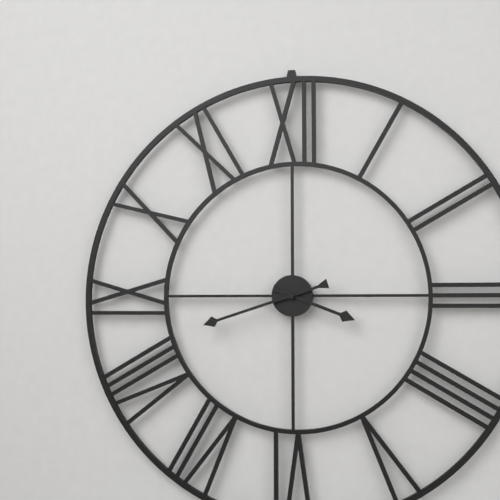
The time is 3:42
